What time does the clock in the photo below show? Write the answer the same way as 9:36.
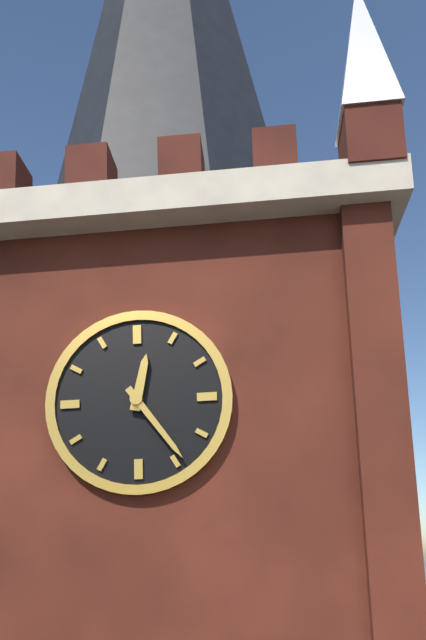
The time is 12:24
